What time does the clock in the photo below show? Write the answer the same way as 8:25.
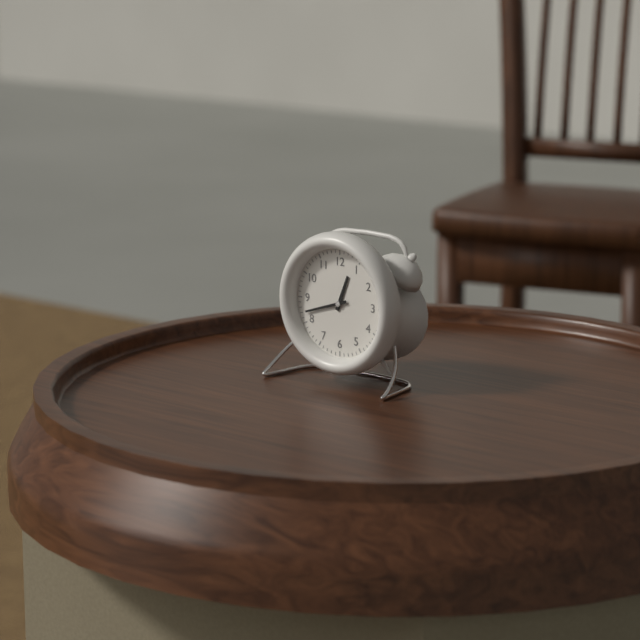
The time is 12:42
